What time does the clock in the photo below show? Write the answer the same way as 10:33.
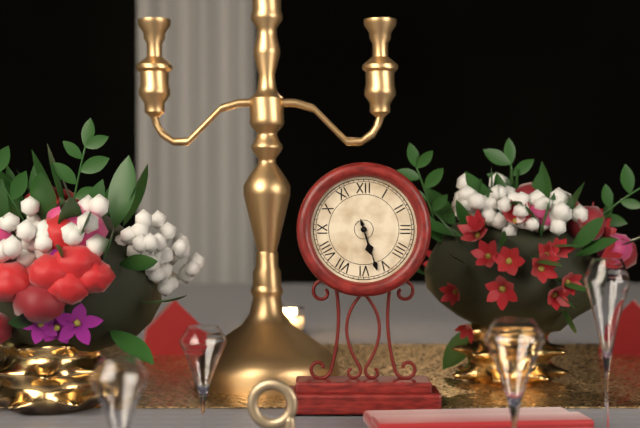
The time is 5:27
